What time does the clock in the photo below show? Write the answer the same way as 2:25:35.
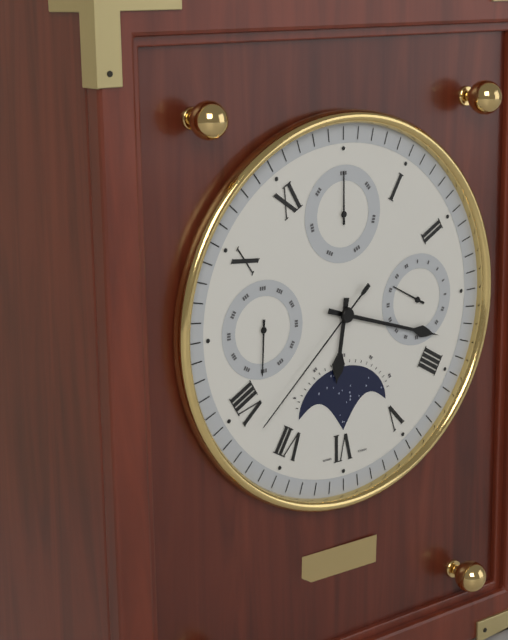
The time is 6:18:38
